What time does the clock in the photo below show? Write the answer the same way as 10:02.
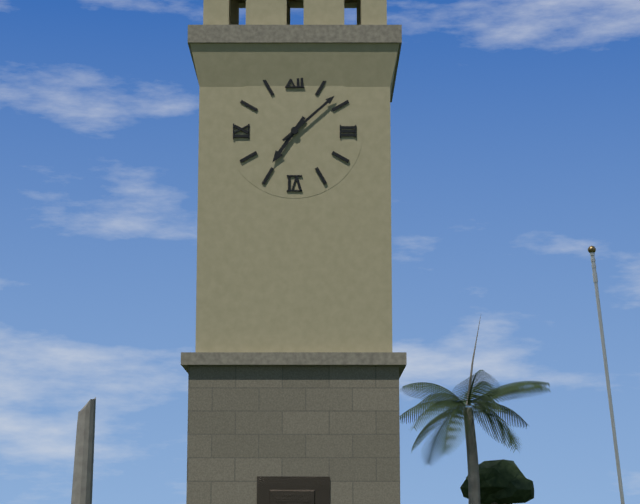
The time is 7:08
